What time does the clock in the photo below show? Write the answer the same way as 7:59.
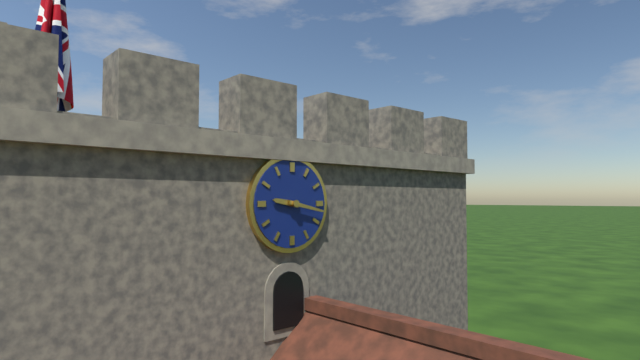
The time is 9:17
